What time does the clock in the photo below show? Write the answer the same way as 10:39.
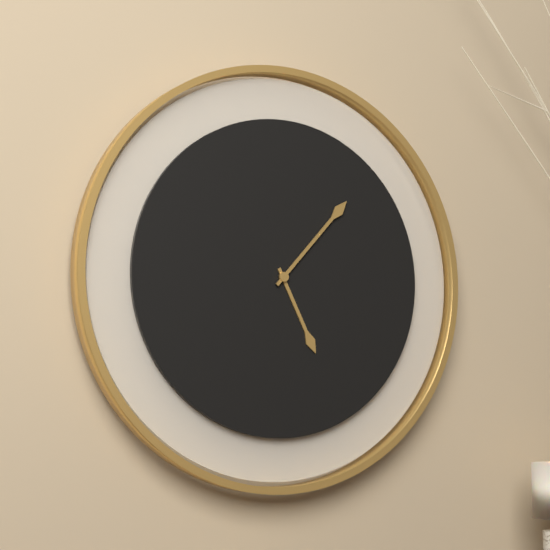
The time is 5:07
